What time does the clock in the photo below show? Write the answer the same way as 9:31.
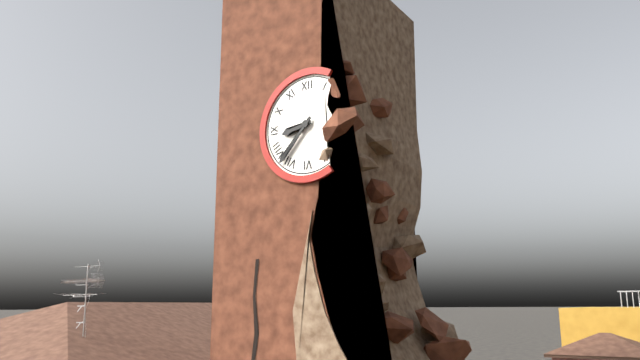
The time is 8:37
